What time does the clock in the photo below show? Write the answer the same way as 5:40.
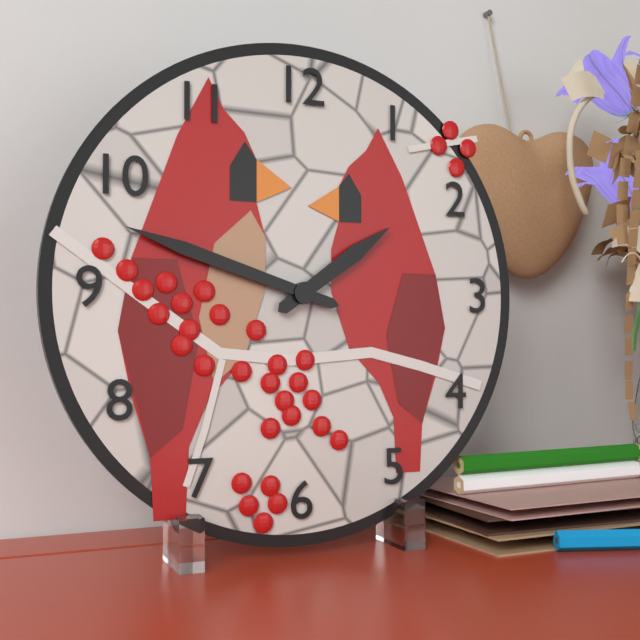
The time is 1:48
